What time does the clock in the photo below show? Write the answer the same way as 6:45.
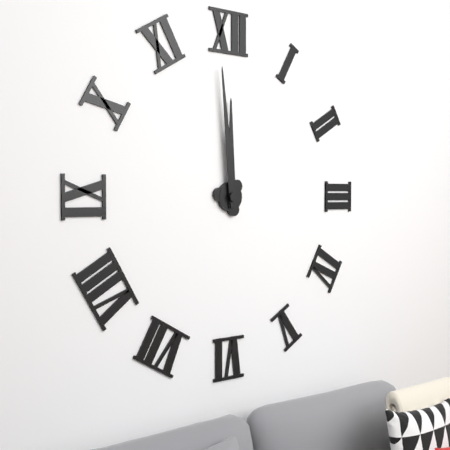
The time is 11:59
